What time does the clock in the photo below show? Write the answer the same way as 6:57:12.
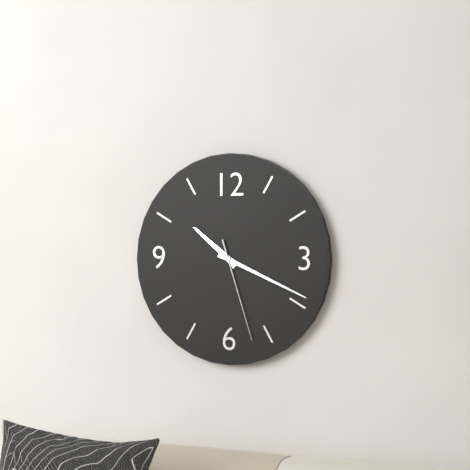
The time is 10:19:27
